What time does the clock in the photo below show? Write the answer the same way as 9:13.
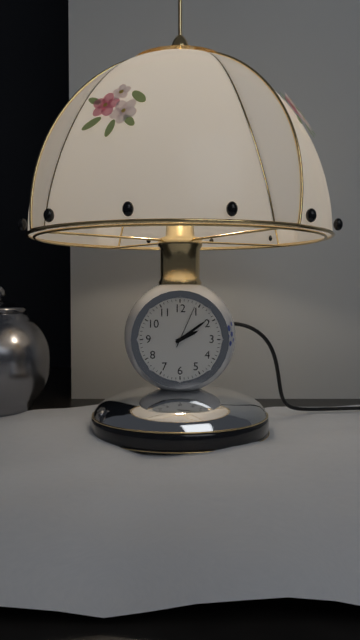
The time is 2:09
